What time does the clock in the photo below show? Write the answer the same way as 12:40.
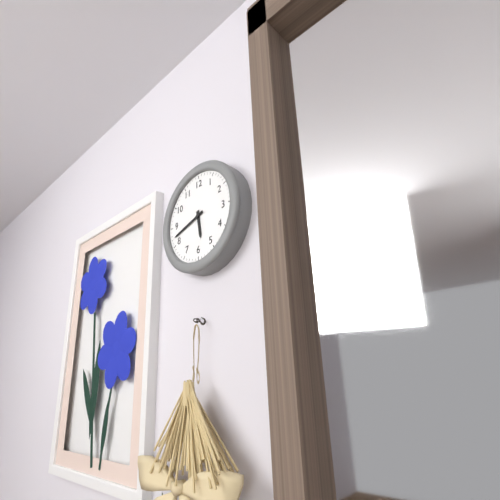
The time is 5:42
